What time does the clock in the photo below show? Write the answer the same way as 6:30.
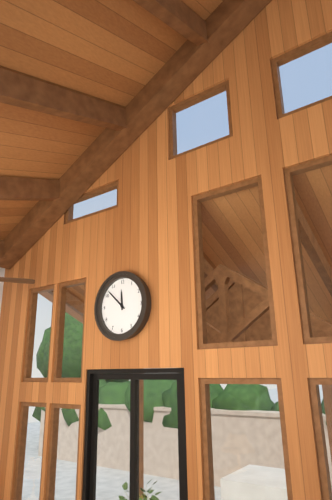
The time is 11:52
